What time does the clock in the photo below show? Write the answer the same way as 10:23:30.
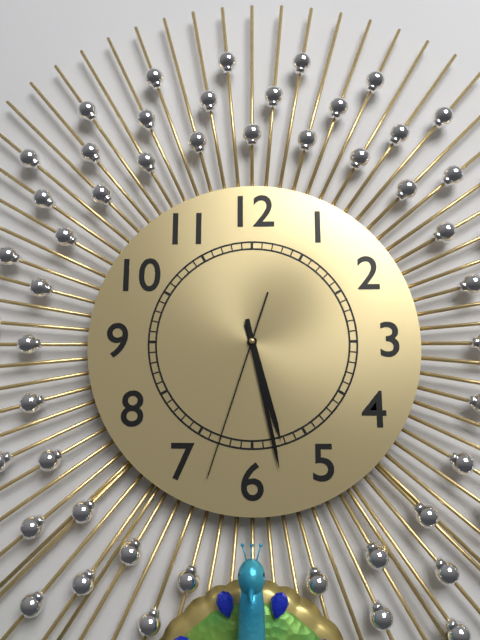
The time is 5:28:33
